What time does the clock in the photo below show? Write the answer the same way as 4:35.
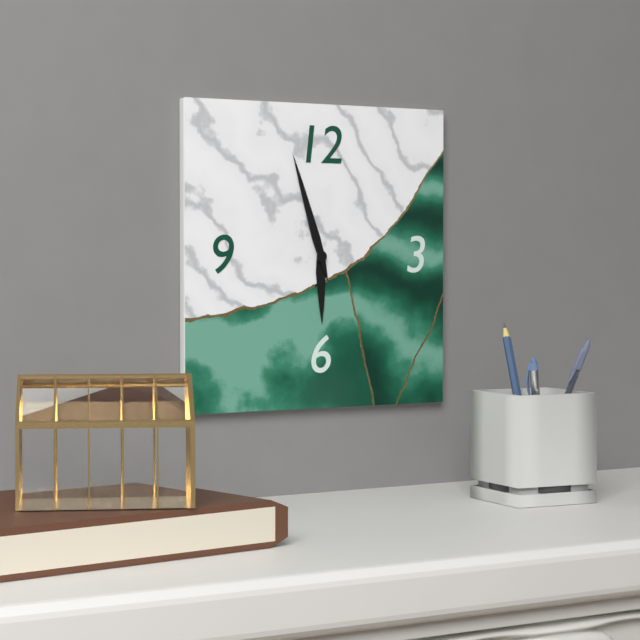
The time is 5:57
